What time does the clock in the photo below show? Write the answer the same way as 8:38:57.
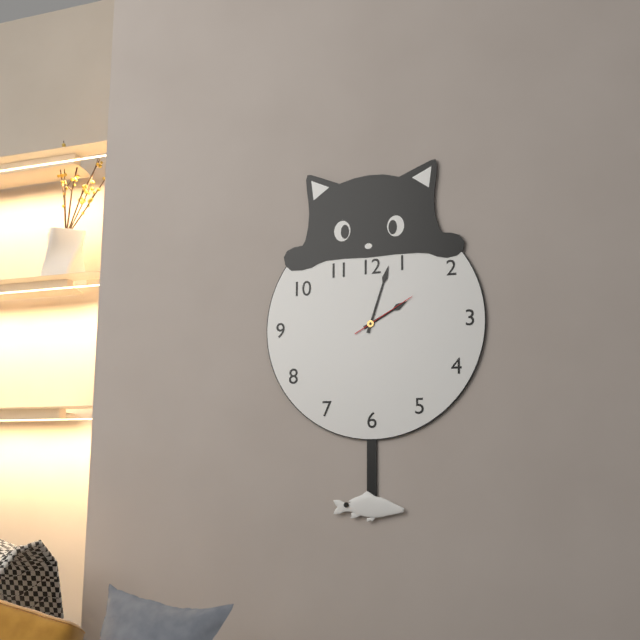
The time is 2:03:10
